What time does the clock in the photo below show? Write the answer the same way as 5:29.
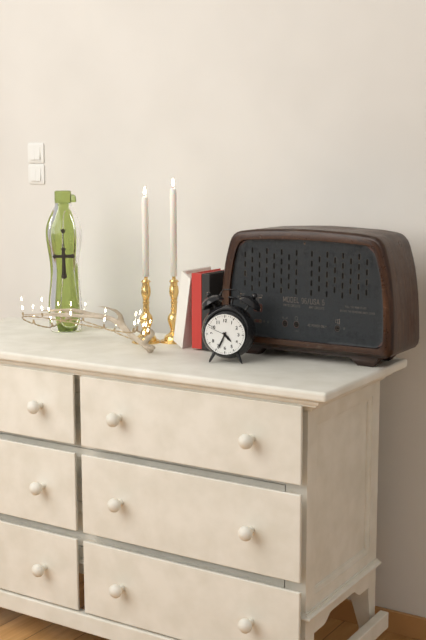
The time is 4:34
